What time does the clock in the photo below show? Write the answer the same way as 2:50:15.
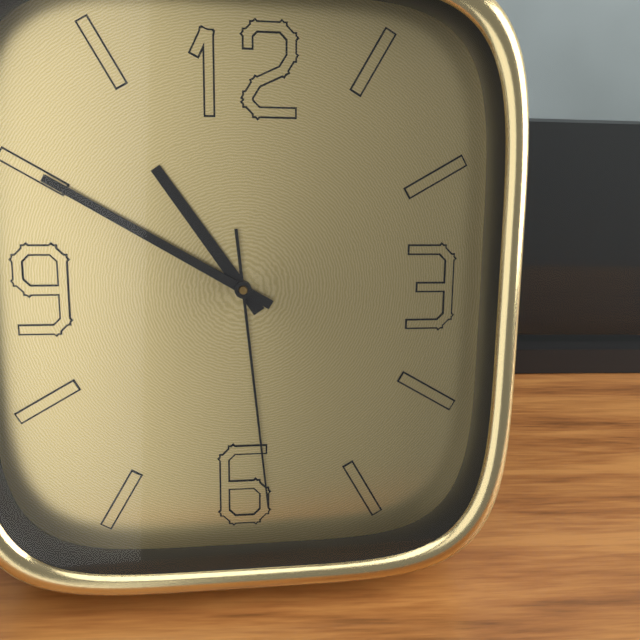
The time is 10:50:29
